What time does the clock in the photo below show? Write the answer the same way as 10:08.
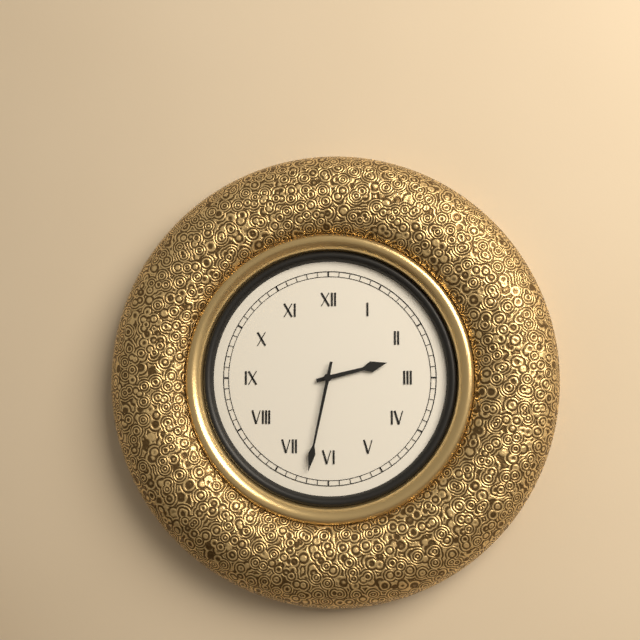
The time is 2:32
